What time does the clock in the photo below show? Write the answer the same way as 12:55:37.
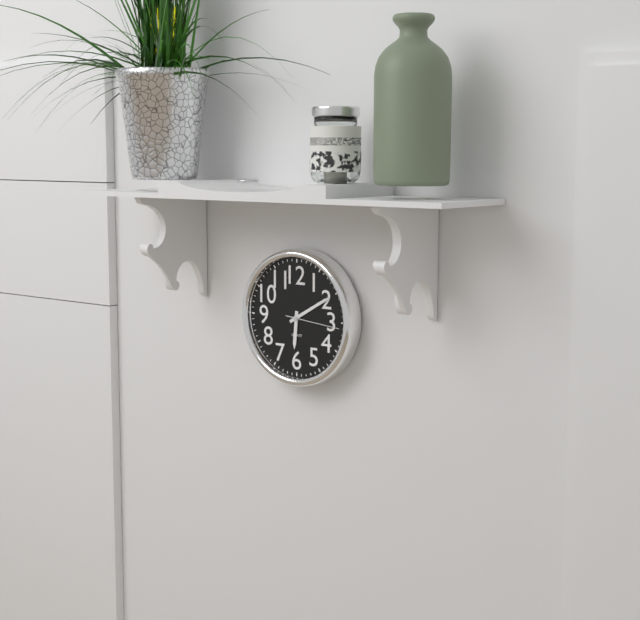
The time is 6:10:16
